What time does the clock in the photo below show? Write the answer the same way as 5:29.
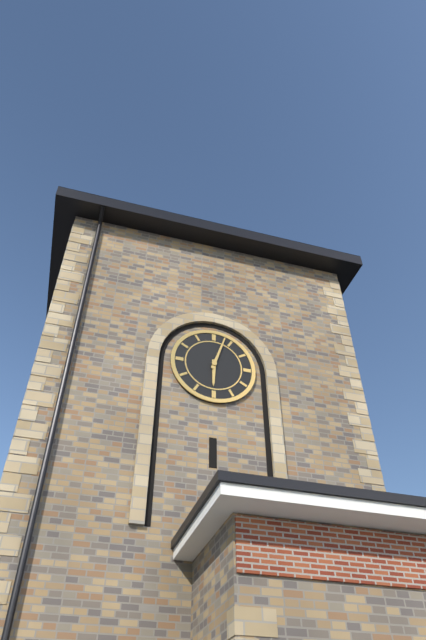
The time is 6:03
